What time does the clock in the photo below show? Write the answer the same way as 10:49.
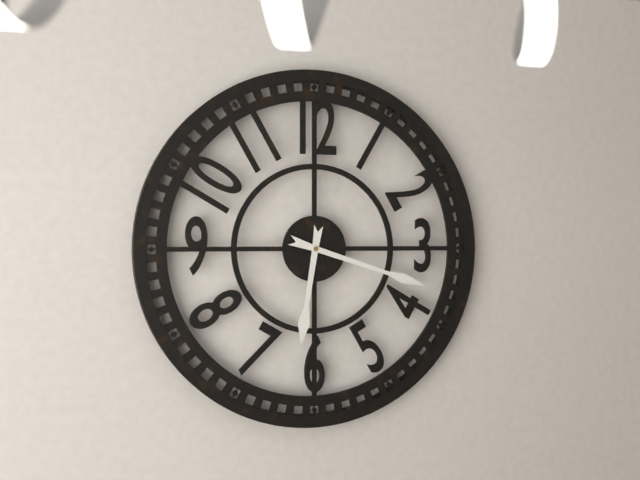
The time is 6:18
